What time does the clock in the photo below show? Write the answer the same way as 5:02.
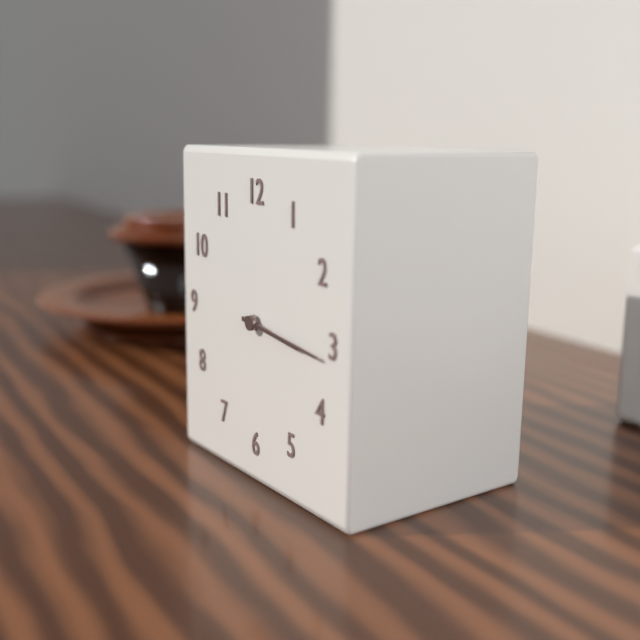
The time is 3:16
